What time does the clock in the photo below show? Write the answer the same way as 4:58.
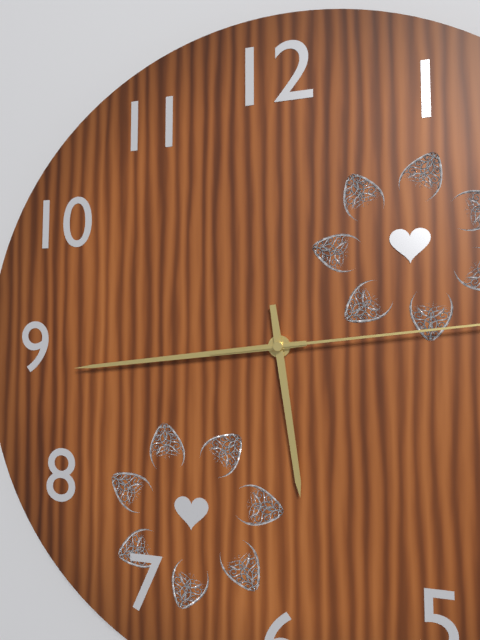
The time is 5:44
